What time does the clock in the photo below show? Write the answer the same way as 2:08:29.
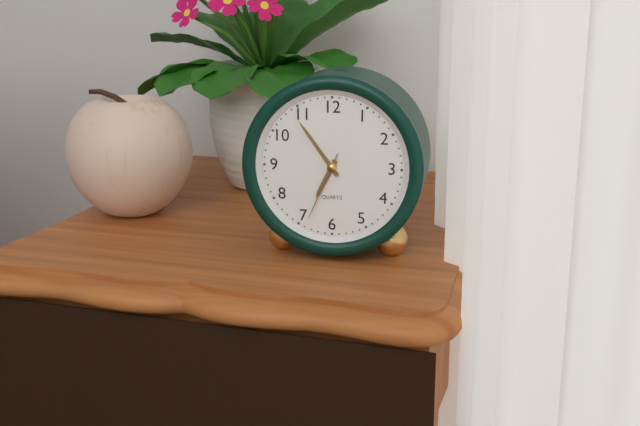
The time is 6:54:34
